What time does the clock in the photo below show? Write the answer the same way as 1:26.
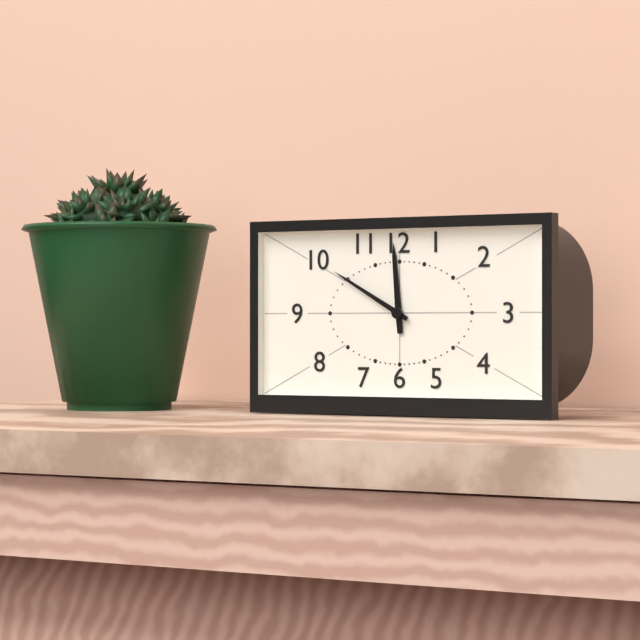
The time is 11:50
